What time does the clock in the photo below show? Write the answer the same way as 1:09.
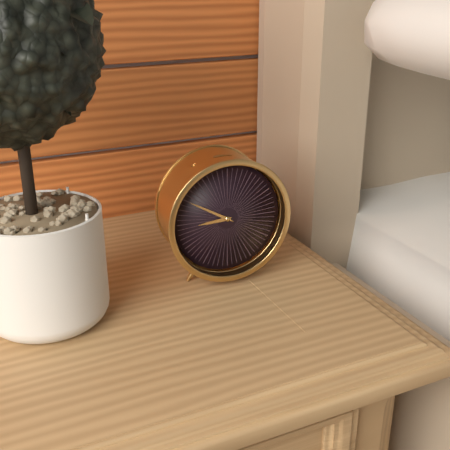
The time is 8:50
